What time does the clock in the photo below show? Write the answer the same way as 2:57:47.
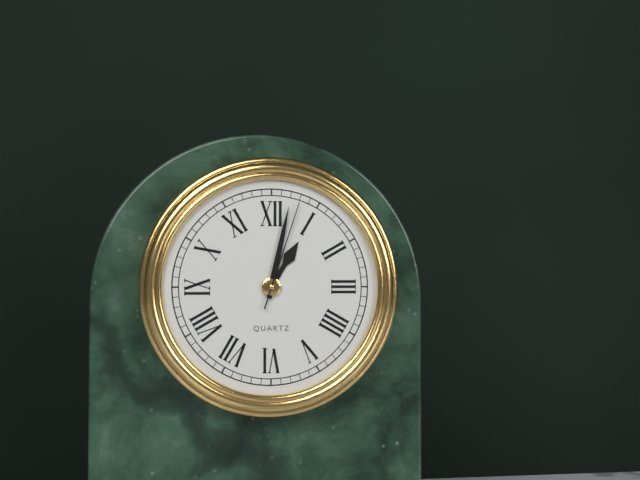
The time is 1:02:03
